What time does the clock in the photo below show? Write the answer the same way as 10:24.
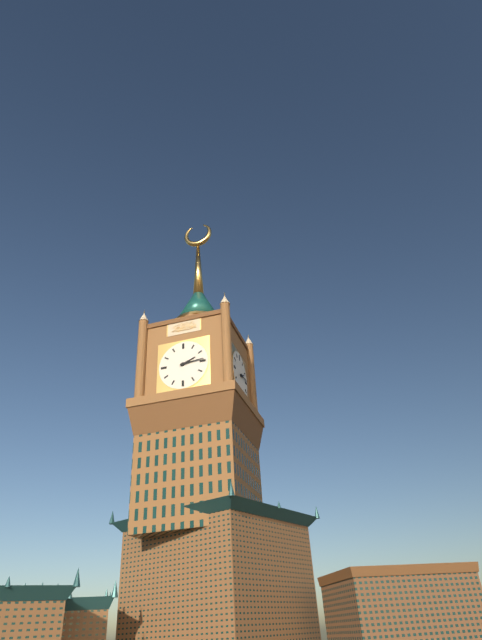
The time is 2:14
